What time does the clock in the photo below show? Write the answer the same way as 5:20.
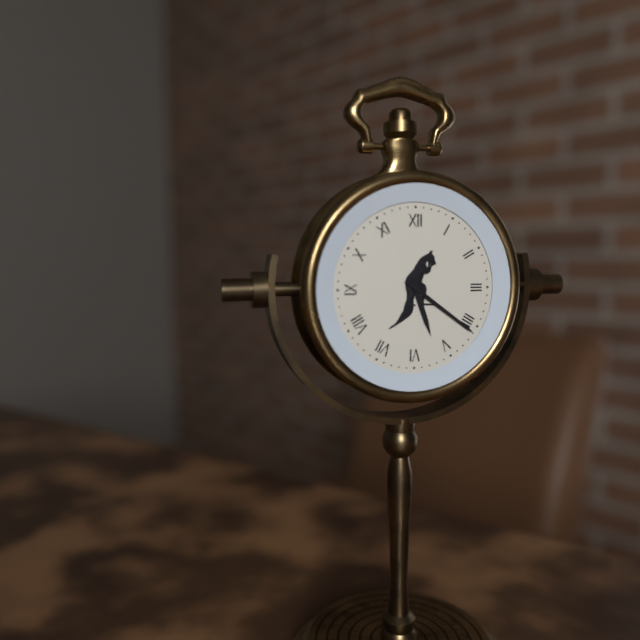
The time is 5:21
